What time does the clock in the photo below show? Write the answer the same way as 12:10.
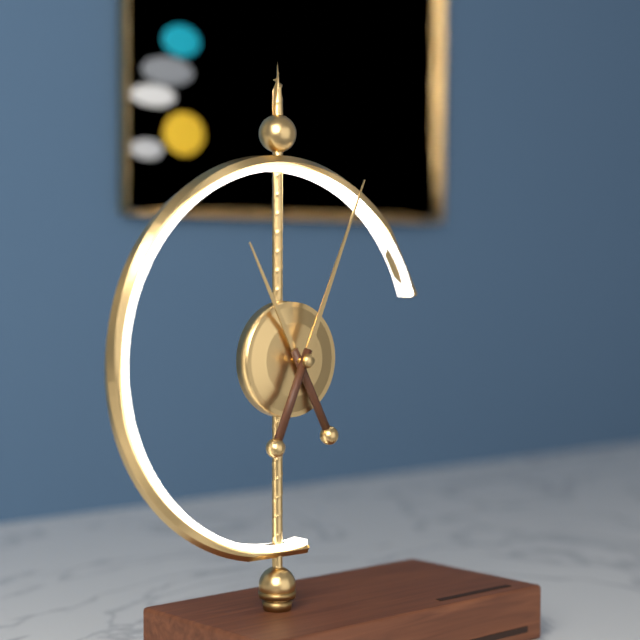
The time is 11:04
